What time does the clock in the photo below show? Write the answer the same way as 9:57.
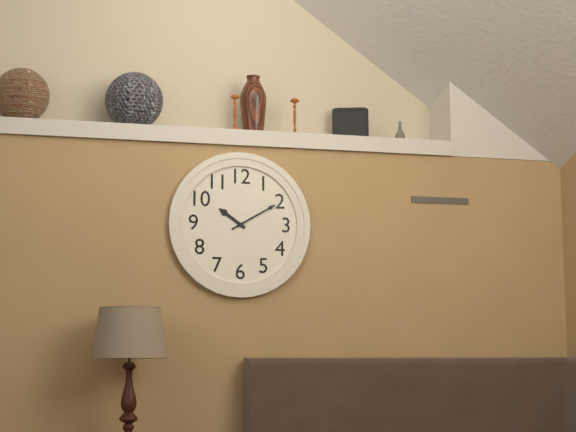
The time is 10:10
